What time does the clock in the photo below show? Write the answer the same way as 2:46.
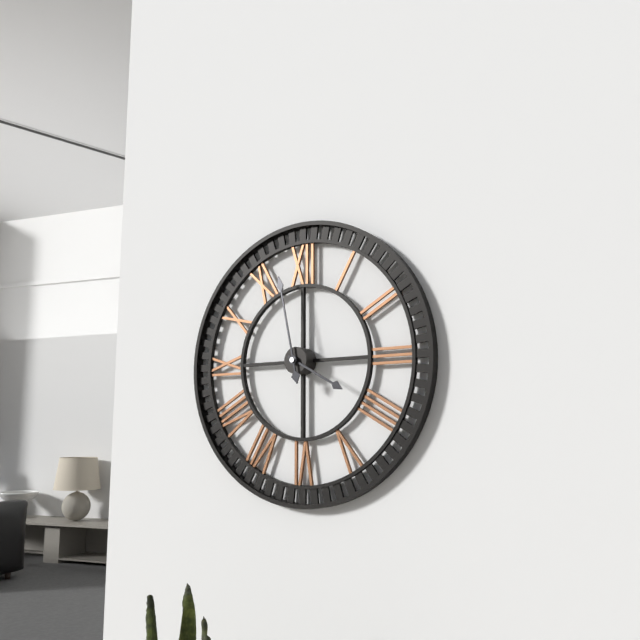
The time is 3:58
